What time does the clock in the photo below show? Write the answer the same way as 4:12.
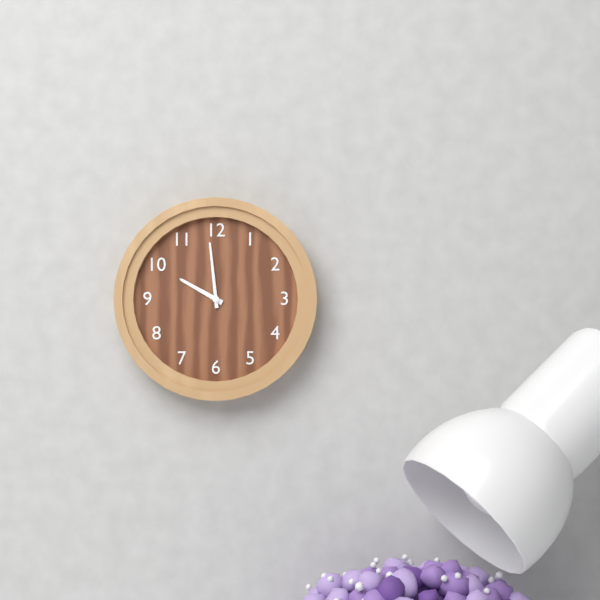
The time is 9:59
